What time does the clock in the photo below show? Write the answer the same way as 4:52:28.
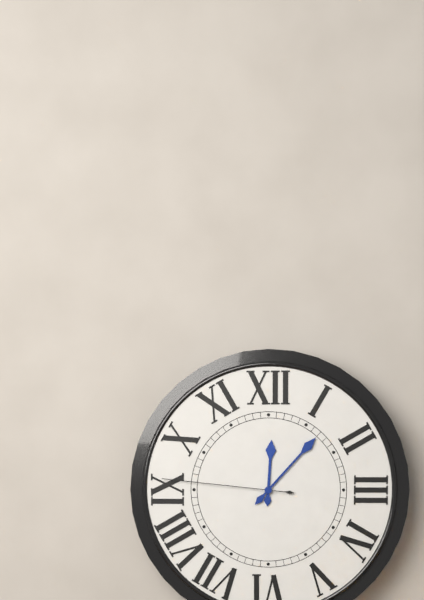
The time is 12:07:46
